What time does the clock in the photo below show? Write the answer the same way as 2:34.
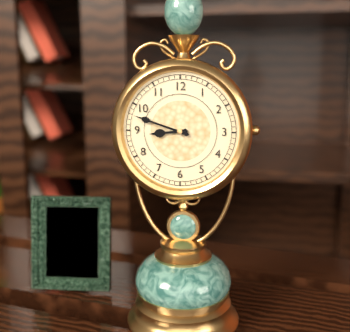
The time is 8:48
